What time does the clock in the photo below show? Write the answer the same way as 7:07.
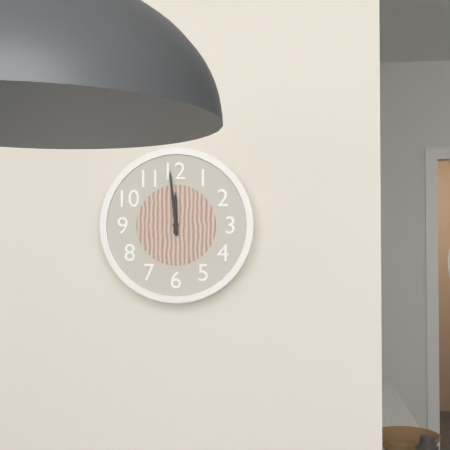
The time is 11:59
